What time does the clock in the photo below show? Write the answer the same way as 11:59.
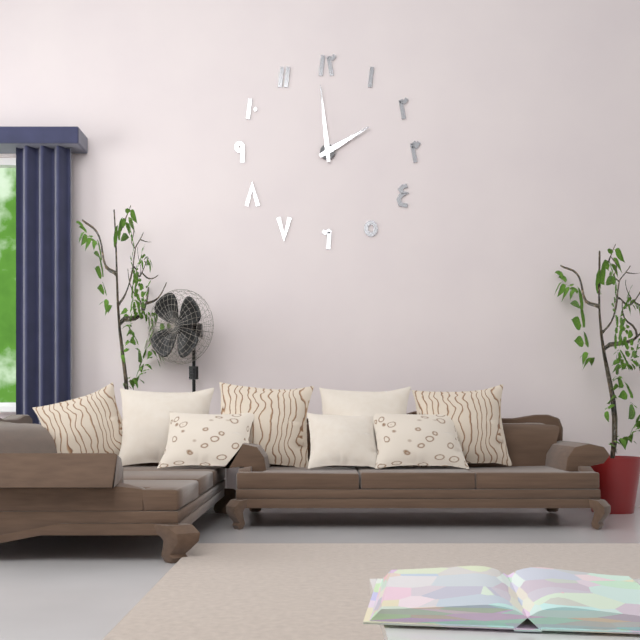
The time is 1:59
